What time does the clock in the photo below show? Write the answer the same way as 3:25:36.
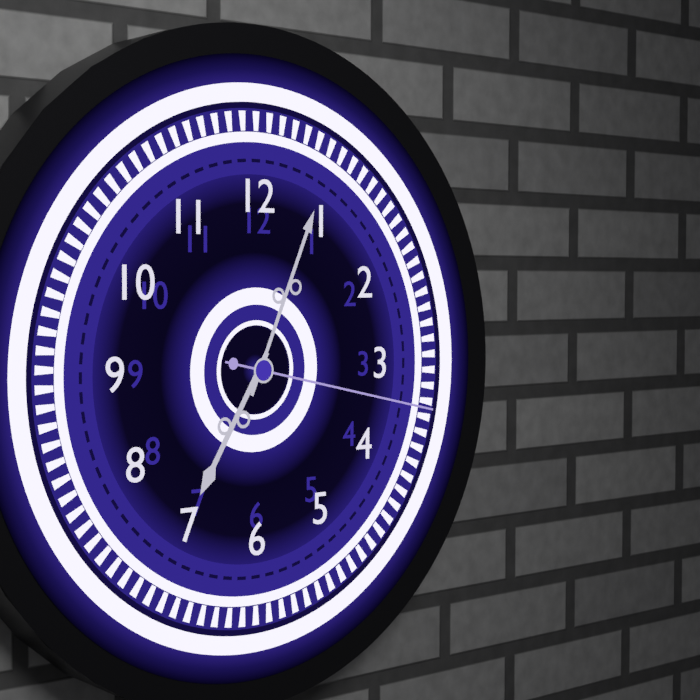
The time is 7:04:17
